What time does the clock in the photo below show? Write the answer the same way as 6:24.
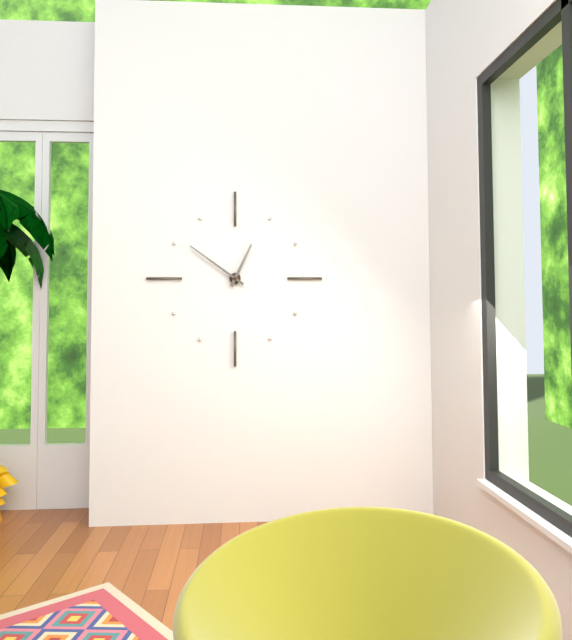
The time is 12:51
